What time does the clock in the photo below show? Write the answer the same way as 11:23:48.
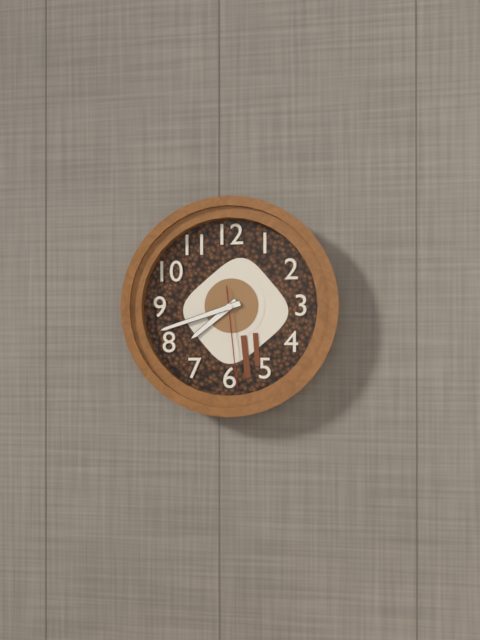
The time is 7:42:29
